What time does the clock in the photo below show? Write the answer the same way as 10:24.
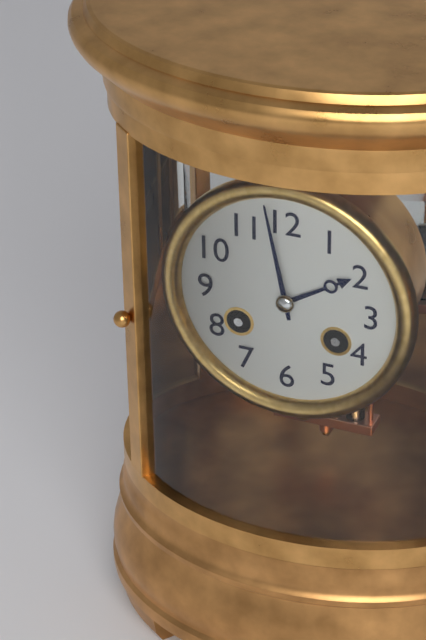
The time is 1:58
